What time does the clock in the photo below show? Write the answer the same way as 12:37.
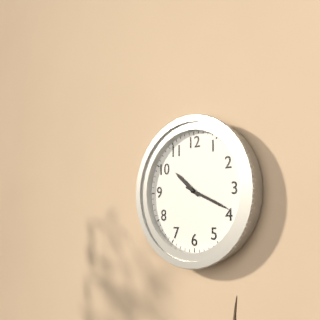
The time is 10:19
